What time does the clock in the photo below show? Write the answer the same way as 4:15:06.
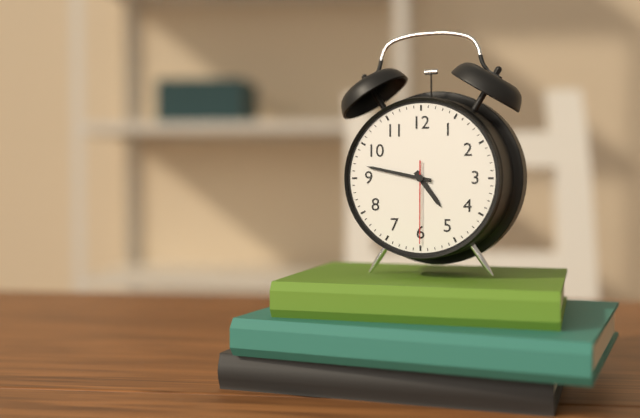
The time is 4:47:30
